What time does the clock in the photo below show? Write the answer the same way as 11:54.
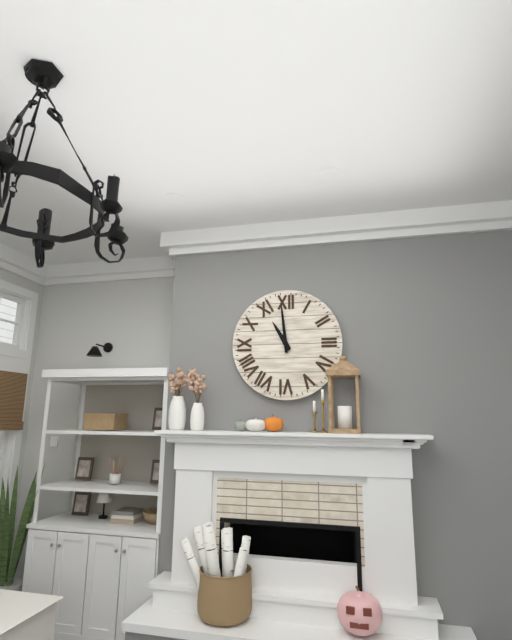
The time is 10:59
